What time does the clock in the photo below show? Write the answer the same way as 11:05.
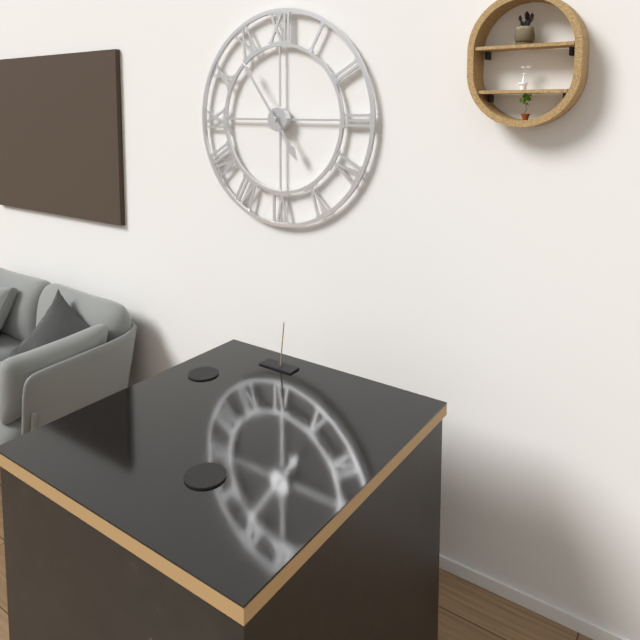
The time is 4:54
